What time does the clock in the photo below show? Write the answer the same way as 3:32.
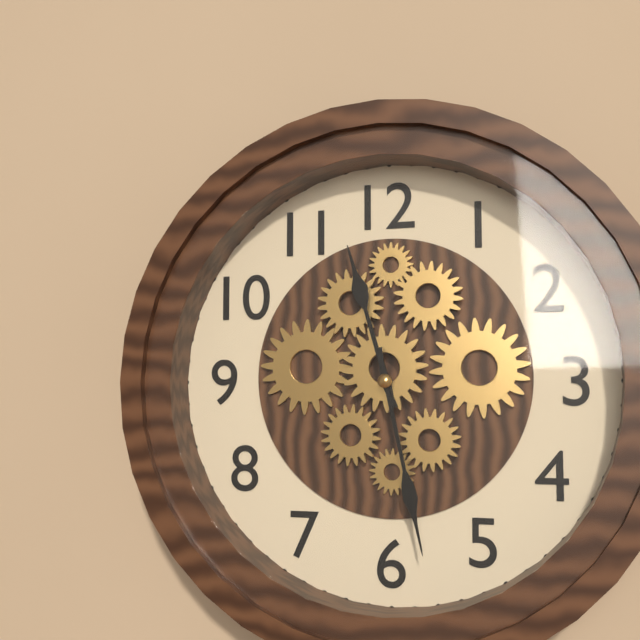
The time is 11:28
